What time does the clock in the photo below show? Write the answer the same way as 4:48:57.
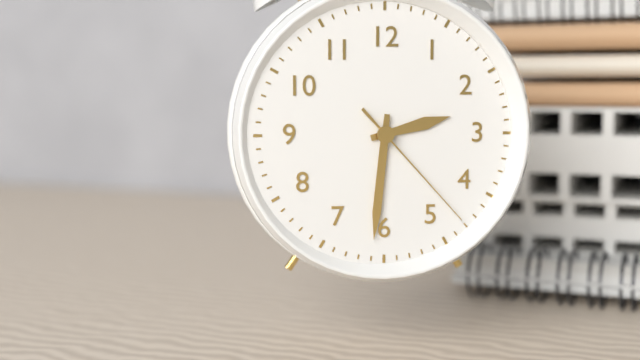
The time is 2:31:23
